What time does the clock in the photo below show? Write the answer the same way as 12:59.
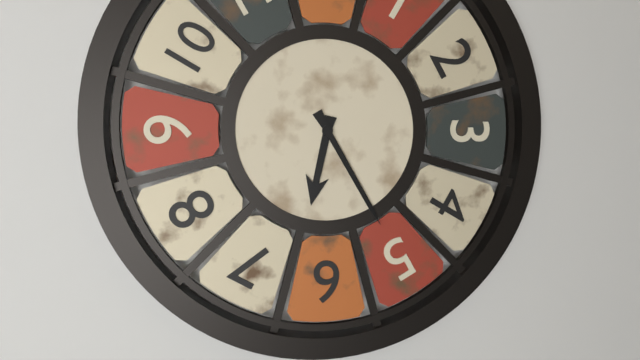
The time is 6:25
